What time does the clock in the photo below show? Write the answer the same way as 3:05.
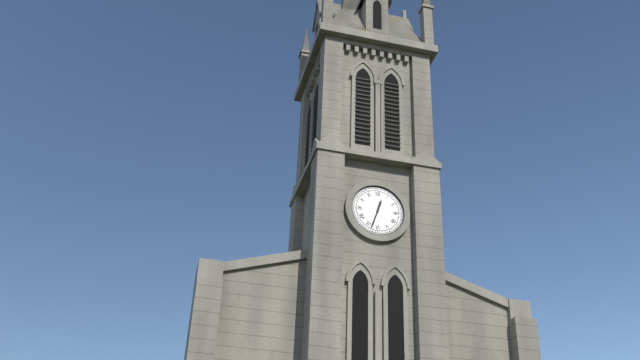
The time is 12:33
